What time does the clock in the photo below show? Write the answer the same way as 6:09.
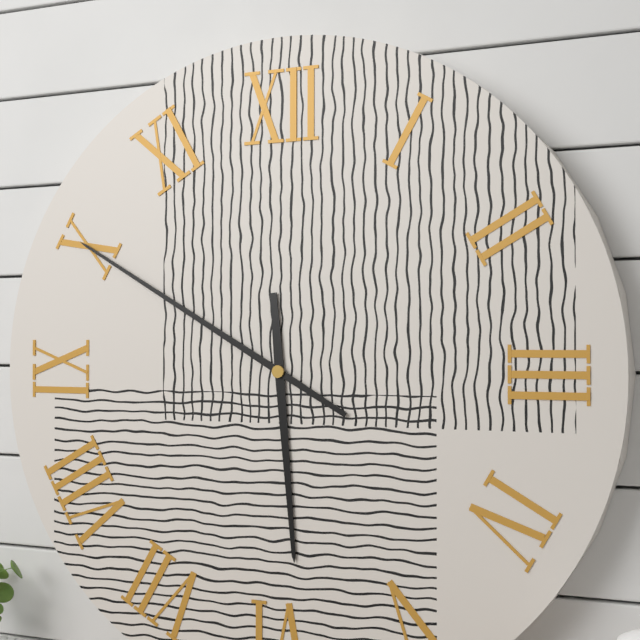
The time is 5:50
